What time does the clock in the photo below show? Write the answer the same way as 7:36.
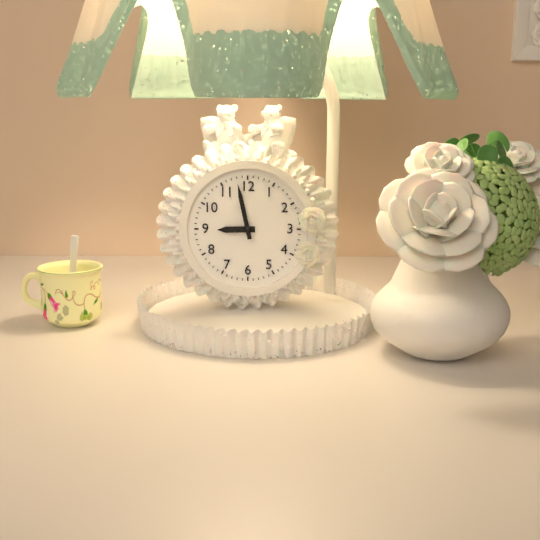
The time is 8:58
